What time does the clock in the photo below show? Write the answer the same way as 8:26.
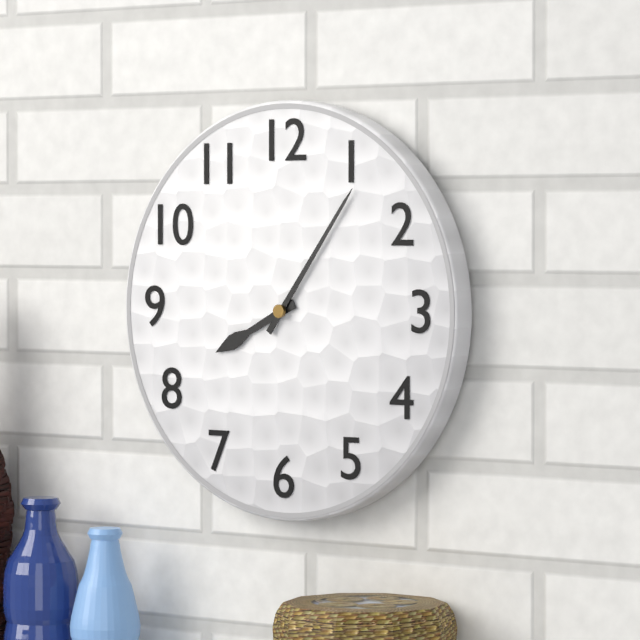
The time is 8:06
